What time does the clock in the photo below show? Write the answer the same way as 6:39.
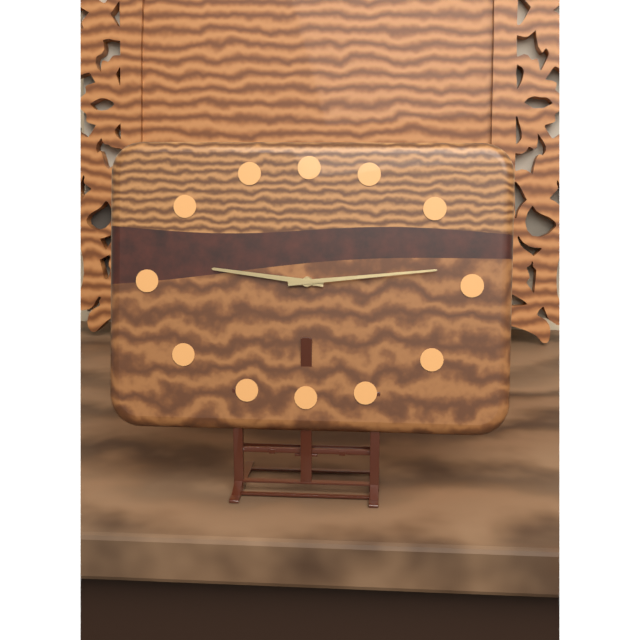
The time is 9:14
